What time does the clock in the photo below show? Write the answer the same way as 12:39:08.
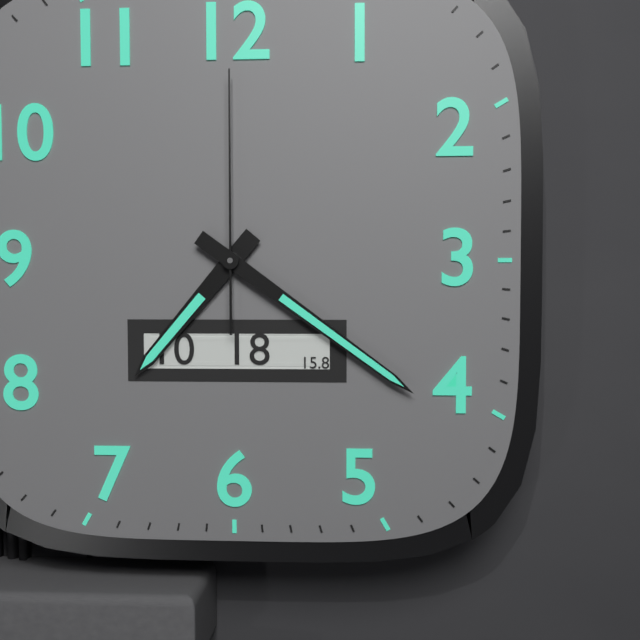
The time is 7:21:00
